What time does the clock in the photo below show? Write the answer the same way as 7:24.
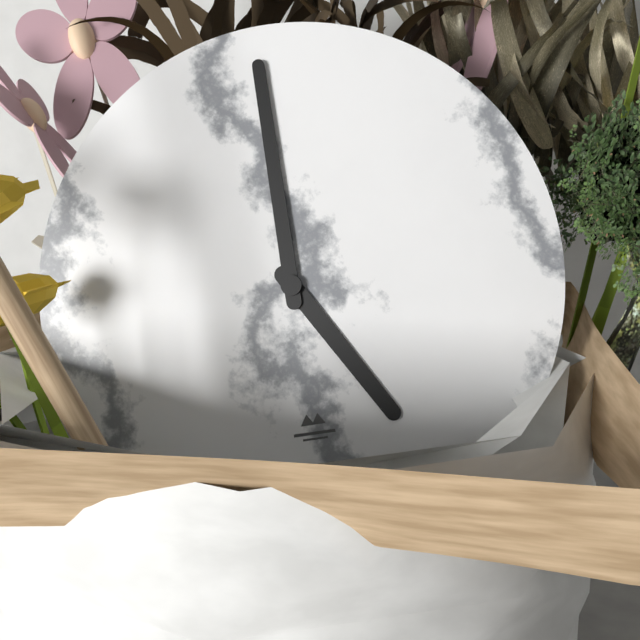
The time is 5:00
